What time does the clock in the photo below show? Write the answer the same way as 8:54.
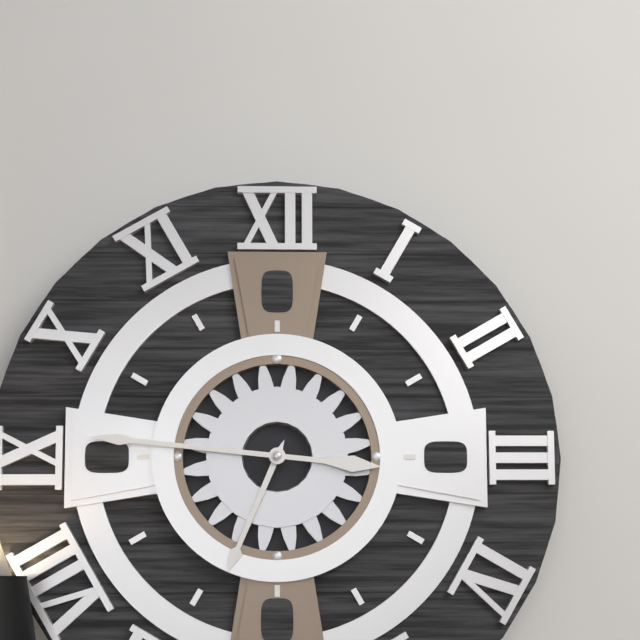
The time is 6:46
